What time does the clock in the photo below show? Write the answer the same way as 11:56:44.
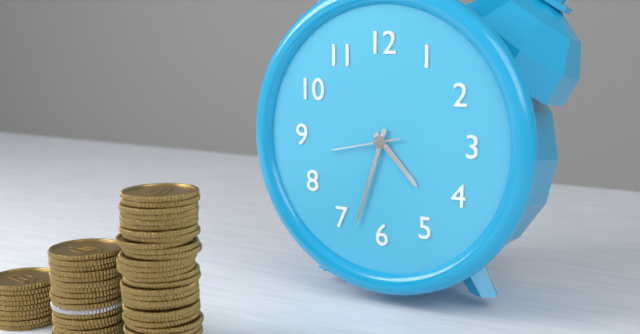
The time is 4:33:43
